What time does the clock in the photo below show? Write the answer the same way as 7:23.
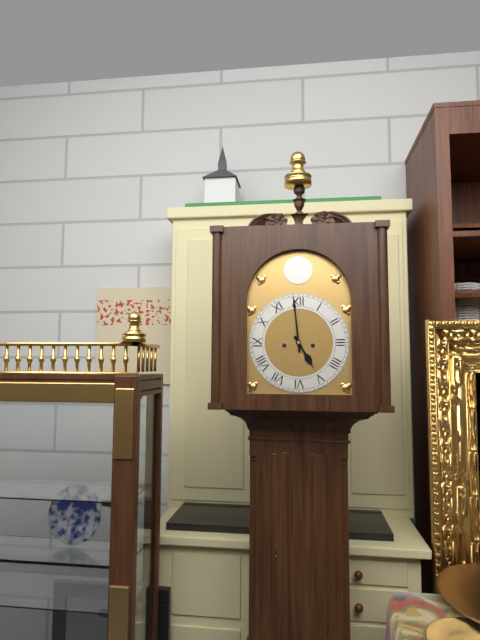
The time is 4:59
